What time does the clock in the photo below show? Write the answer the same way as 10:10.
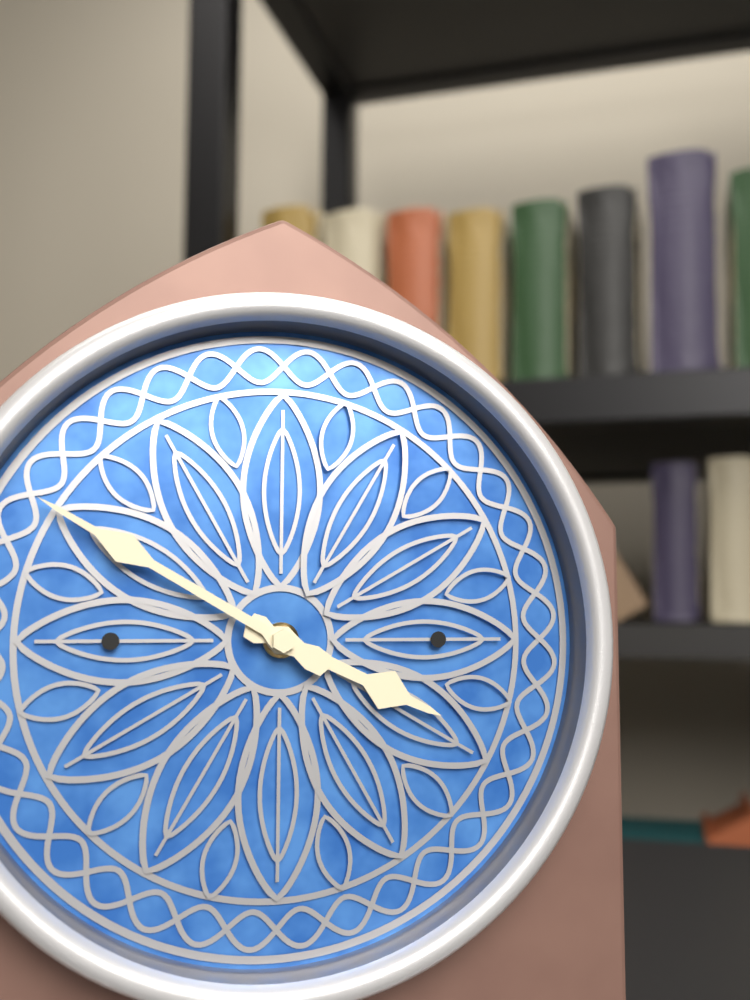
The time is 3:50
